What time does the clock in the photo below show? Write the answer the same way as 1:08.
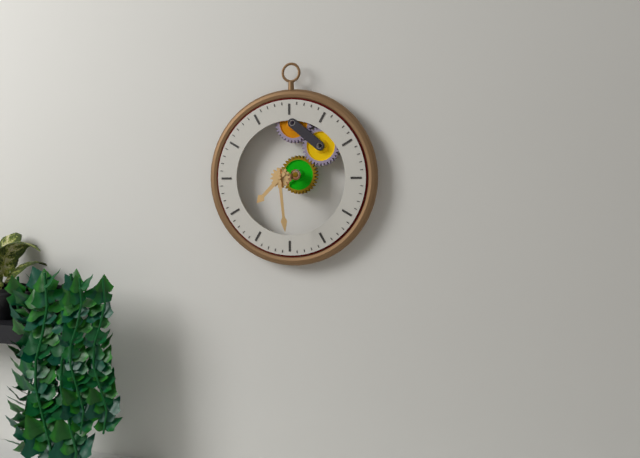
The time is 7:29
